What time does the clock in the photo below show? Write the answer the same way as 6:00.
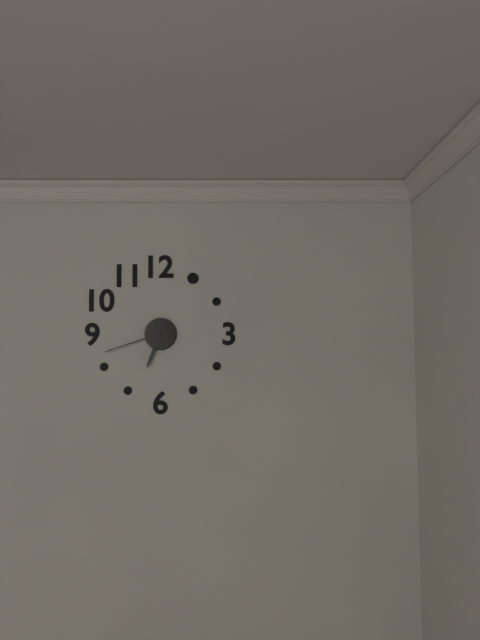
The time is 6:42
